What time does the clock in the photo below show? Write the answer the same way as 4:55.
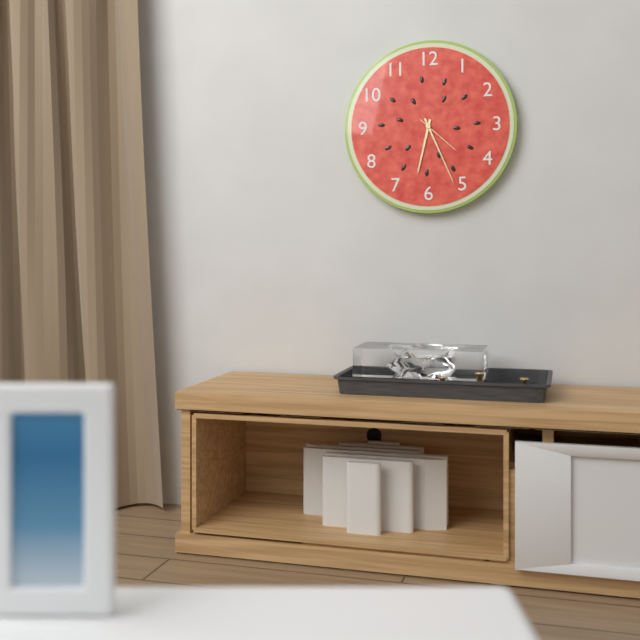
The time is 6:26
